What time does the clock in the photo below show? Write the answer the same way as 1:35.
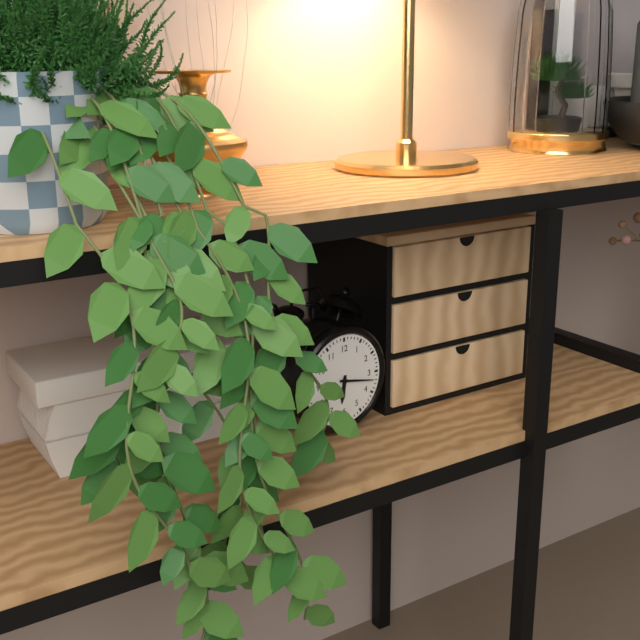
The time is 6:17
